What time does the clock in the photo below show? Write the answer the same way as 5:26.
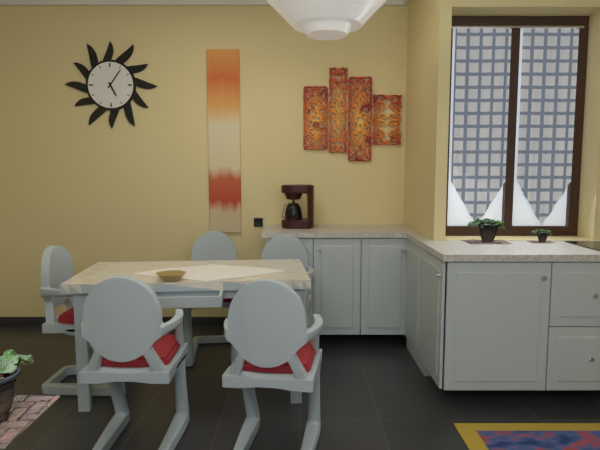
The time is 5:06
